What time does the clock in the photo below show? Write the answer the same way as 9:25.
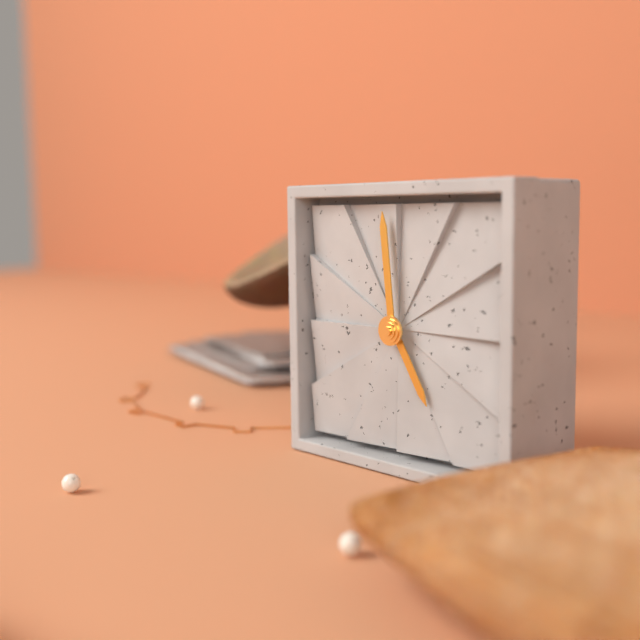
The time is 4:59
